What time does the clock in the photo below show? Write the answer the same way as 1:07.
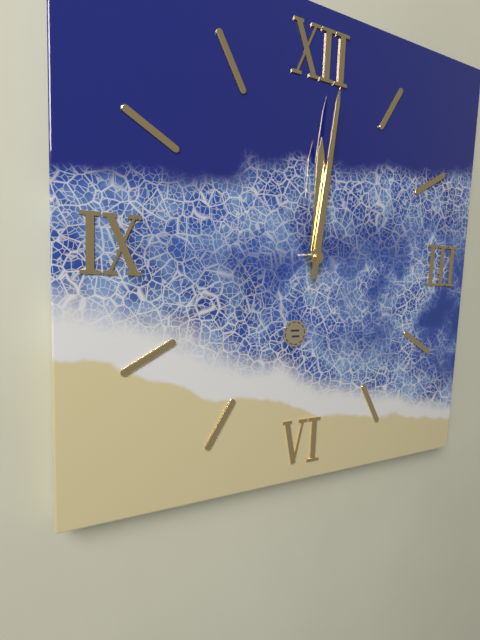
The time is 12:01
